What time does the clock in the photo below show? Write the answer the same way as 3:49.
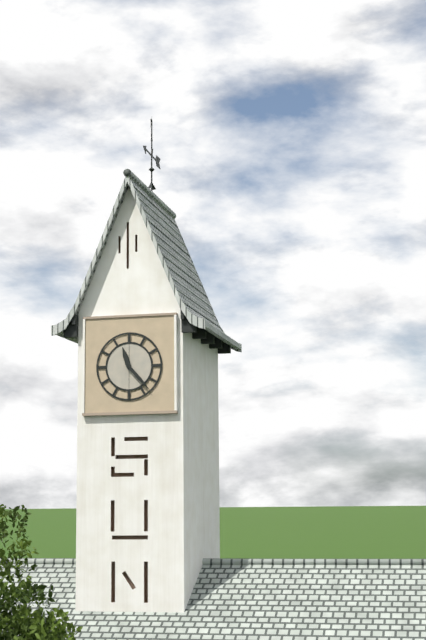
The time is 11:23
